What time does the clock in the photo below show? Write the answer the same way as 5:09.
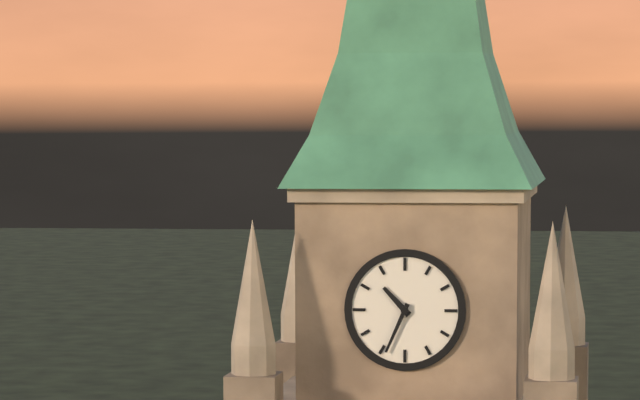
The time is 10:34
